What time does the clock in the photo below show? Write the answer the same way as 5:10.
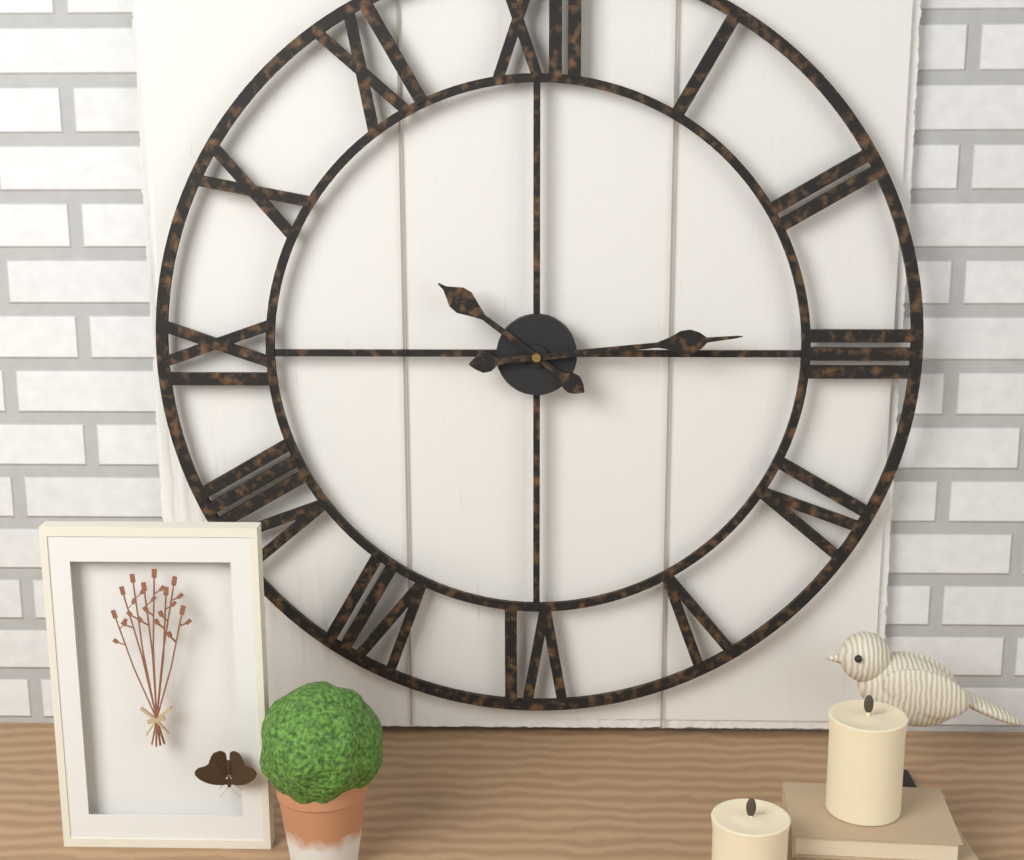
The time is 10:14
